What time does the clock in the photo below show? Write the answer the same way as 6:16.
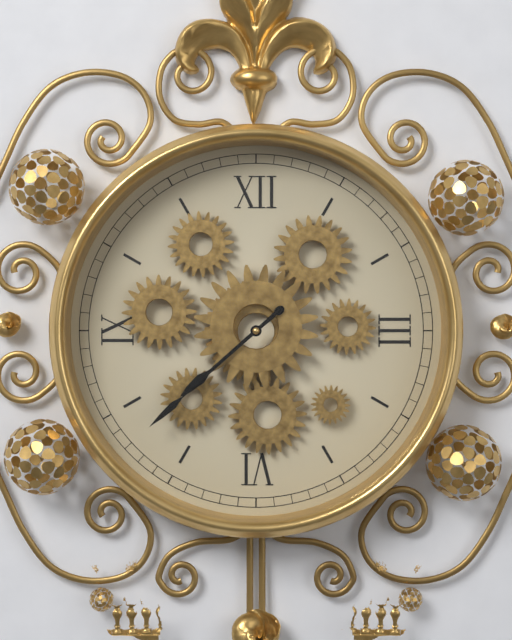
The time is 7:38
